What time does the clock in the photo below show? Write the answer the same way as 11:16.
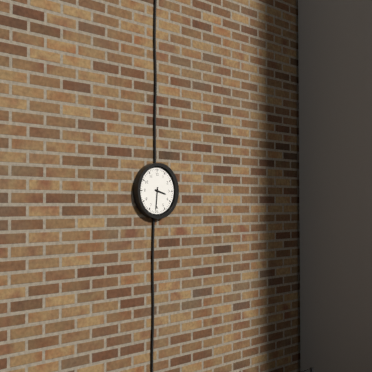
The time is 3:31
